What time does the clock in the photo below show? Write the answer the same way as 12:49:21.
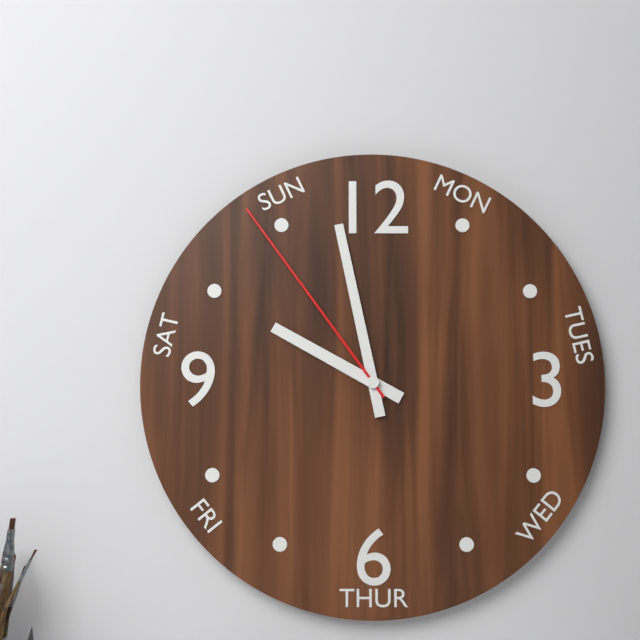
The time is 9:58:54
